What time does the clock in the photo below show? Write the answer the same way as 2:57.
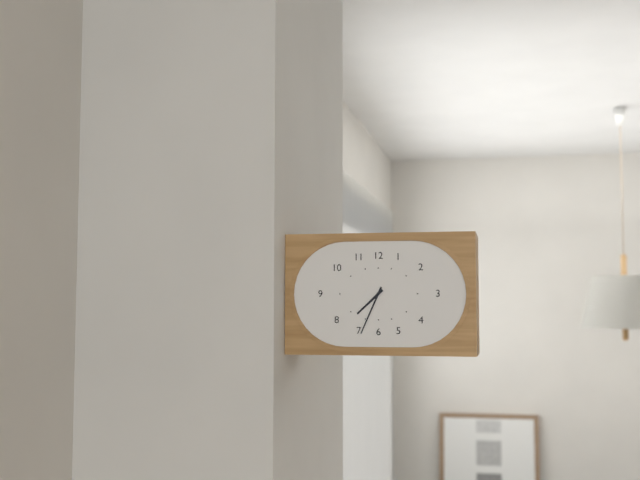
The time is 7:34
